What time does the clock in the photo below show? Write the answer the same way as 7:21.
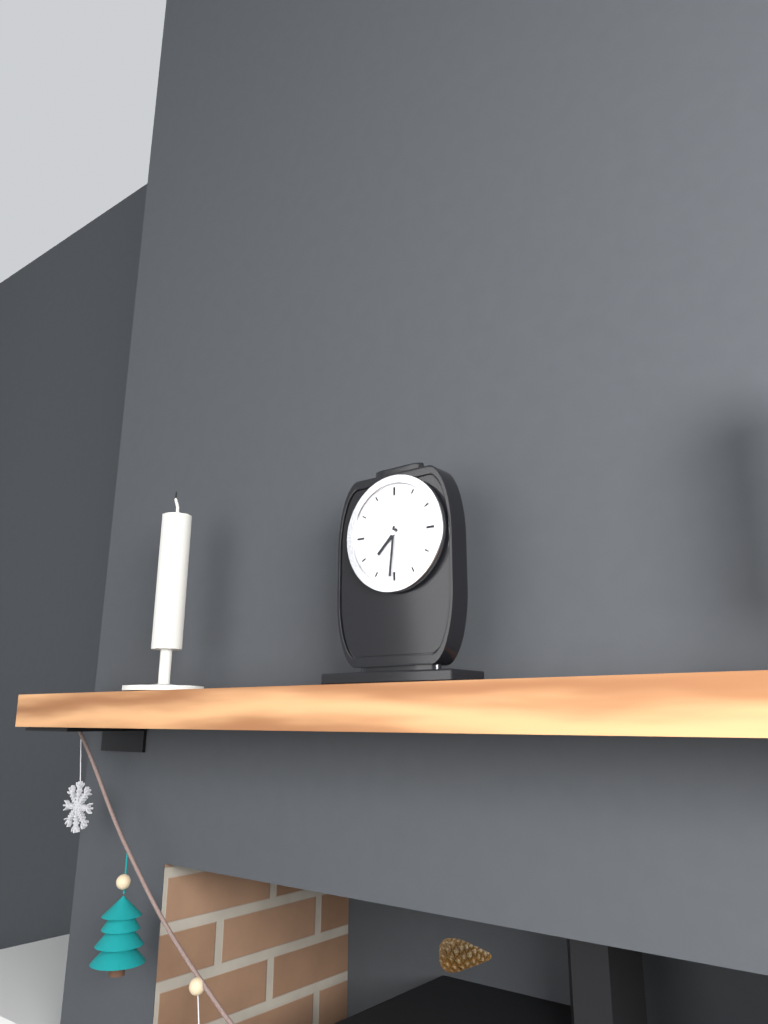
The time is 7:31
